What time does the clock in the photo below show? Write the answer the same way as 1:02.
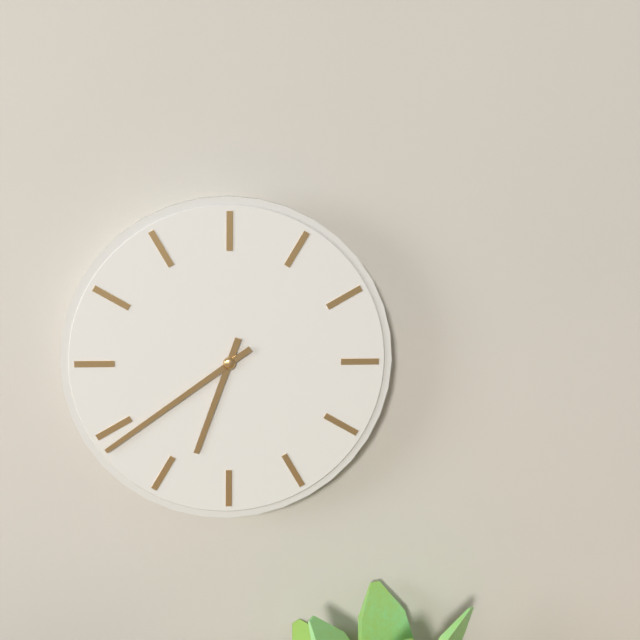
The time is 6:39
